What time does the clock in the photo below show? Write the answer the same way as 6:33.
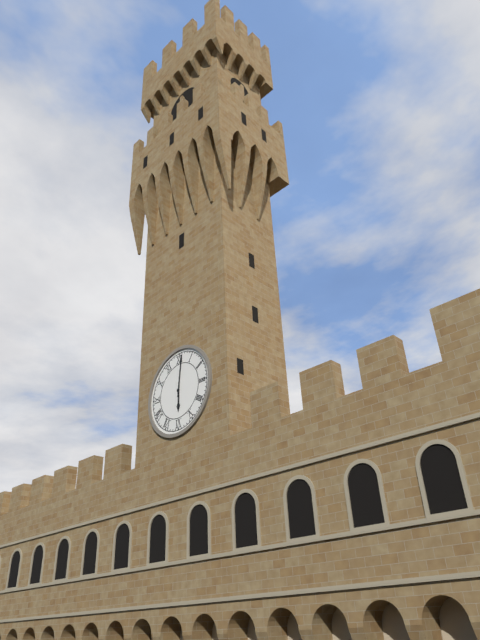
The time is 6:01
